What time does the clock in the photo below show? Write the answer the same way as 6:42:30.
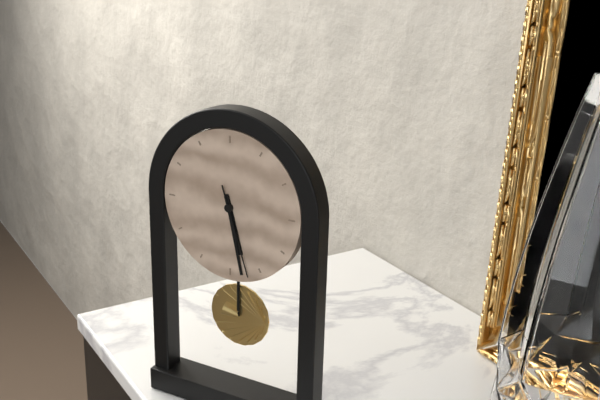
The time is 5:28:27
